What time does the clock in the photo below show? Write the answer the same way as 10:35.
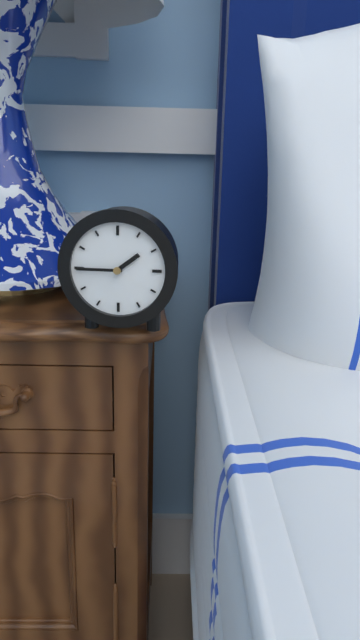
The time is 1:45
